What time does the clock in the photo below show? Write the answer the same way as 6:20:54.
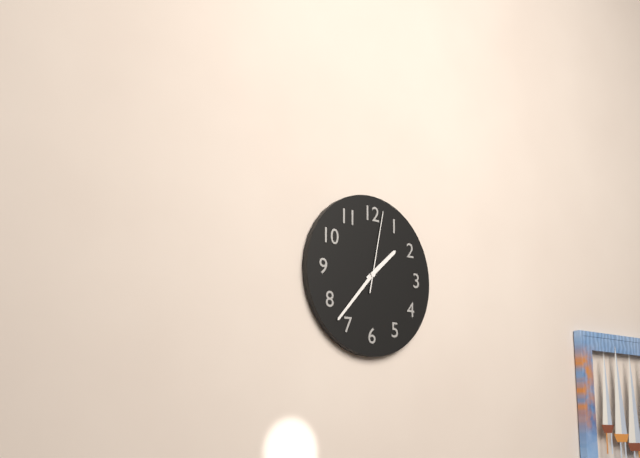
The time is 1:37:02
